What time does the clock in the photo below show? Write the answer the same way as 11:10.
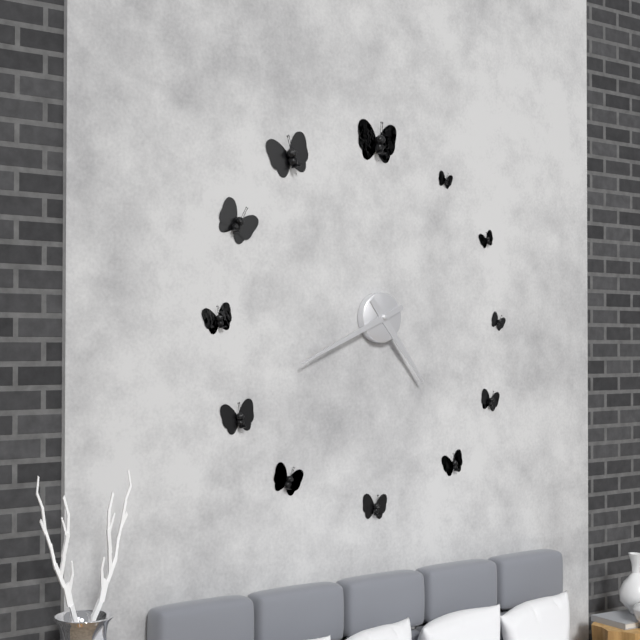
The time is 4:41
